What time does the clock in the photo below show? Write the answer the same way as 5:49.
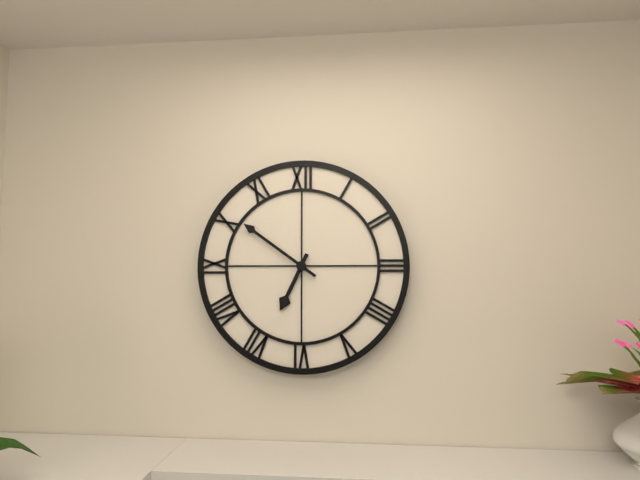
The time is 6:51
